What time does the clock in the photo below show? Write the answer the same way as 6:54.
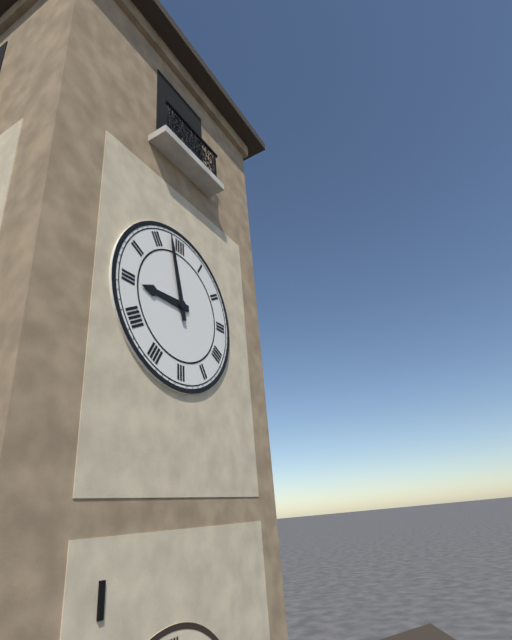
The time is 8:58
